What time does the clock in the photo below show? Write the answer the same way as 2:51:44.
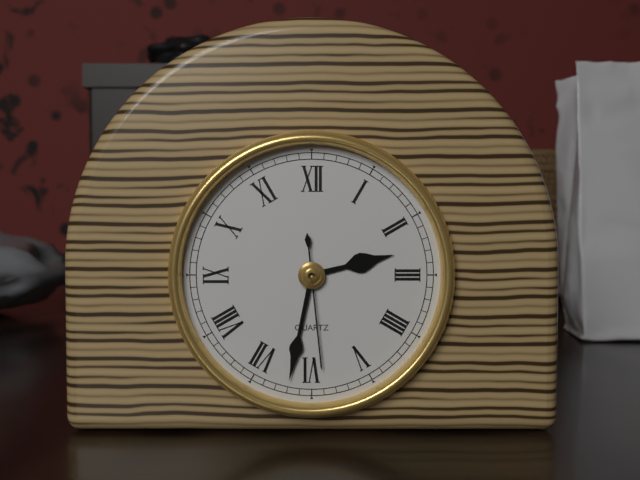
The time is 2:32:29
